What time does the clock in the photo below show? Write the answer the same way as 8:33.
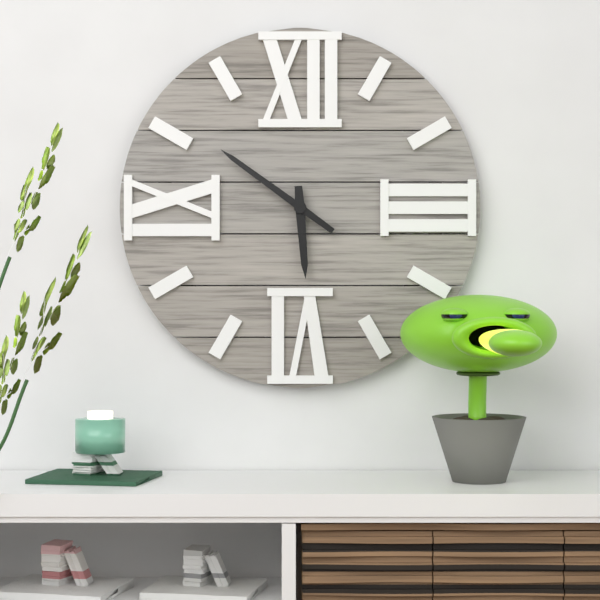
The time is 5:51
